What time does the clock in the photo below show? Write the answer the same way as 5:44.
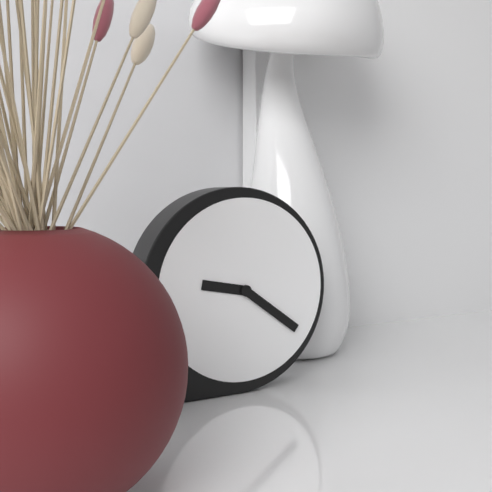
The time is 9:21
